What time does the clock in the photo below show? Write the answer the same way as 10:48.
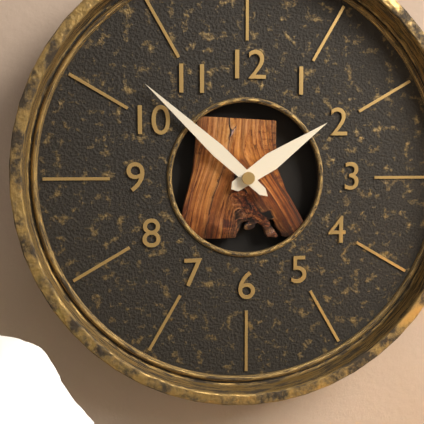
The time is 1:52
